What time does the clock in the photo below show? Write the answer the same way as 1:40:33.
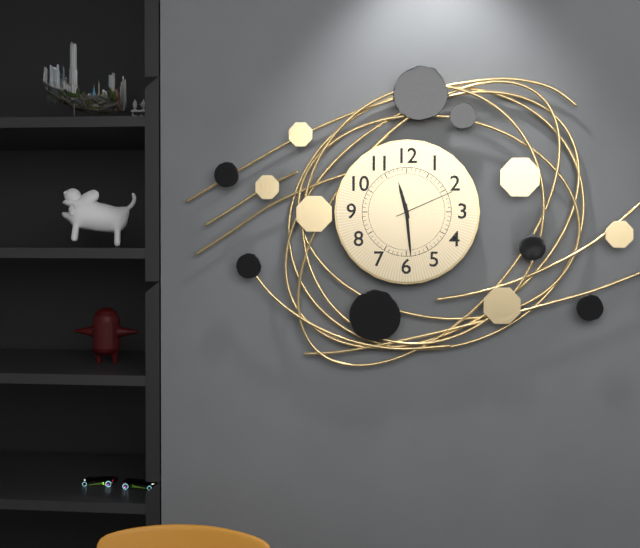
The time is 11:29:11
